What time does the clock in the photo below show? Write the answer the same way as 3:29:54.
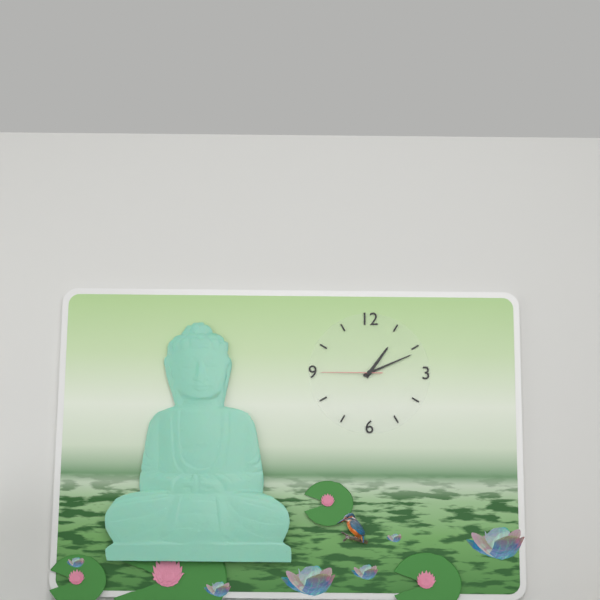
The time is 1:11:45
